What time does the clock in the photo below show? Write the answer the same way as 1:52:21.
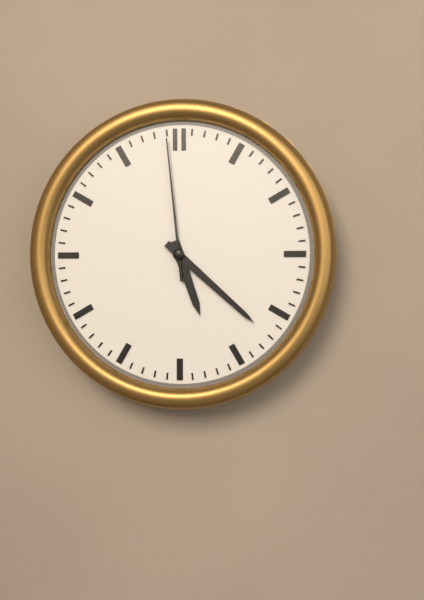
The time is 5:22:59
